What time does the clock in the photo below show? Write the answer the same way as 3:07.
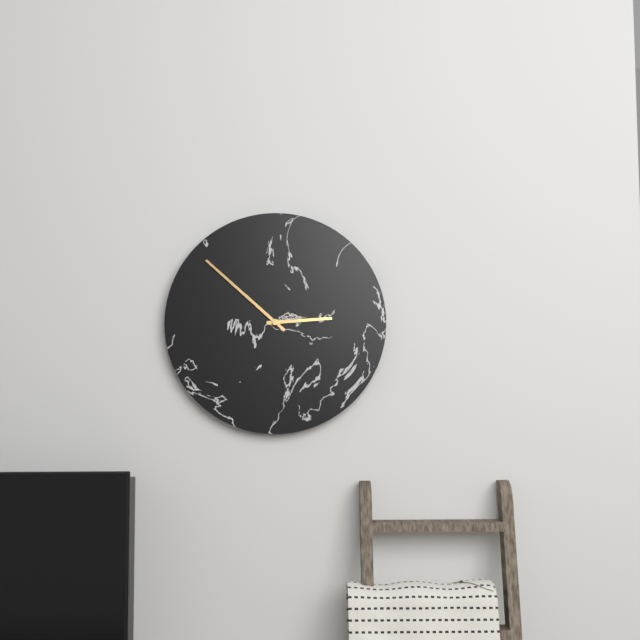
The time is 2:52
